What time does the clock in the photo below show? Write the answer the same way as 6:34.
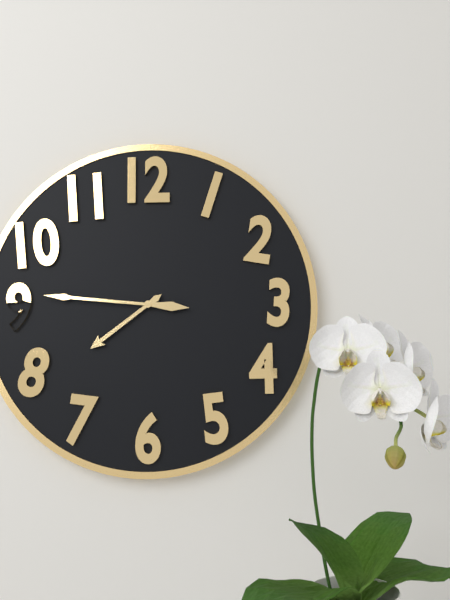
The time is 7:46
